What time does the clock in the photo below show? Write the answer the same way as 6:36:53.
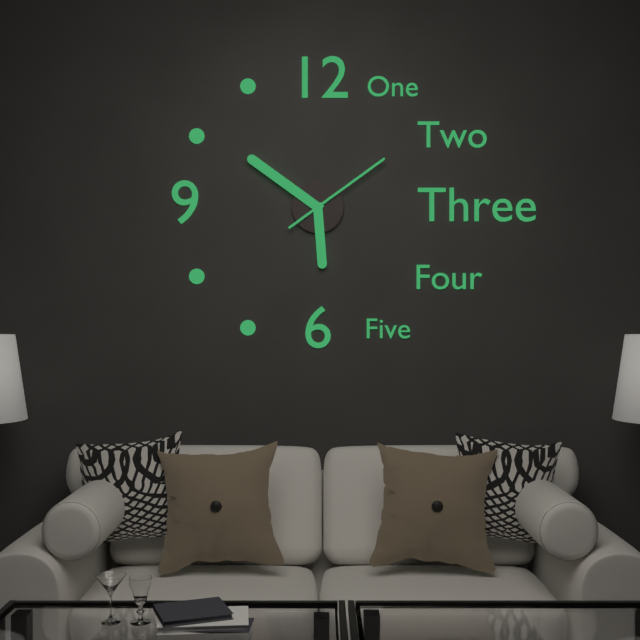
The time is 5:51:09
